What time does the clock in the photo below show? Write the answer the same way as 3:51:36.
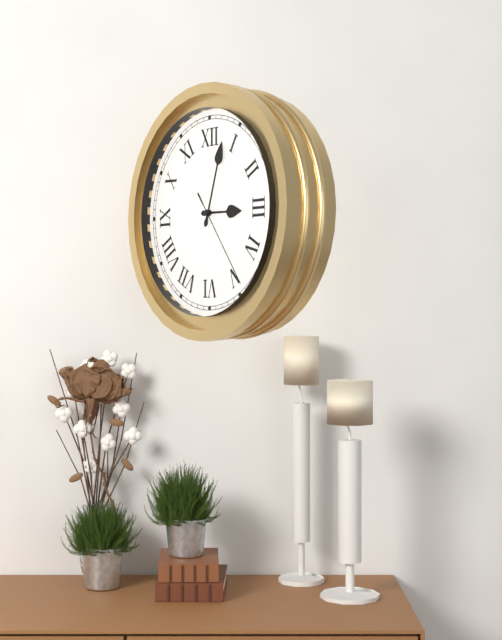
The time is 3:03:24
